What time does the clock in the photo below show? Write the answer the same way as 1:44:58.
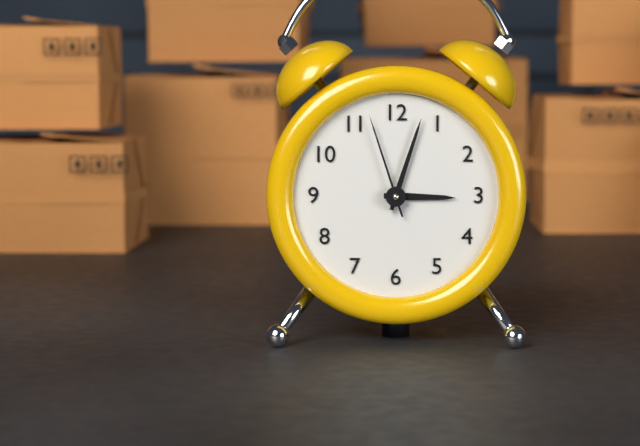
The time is 3:03:57
